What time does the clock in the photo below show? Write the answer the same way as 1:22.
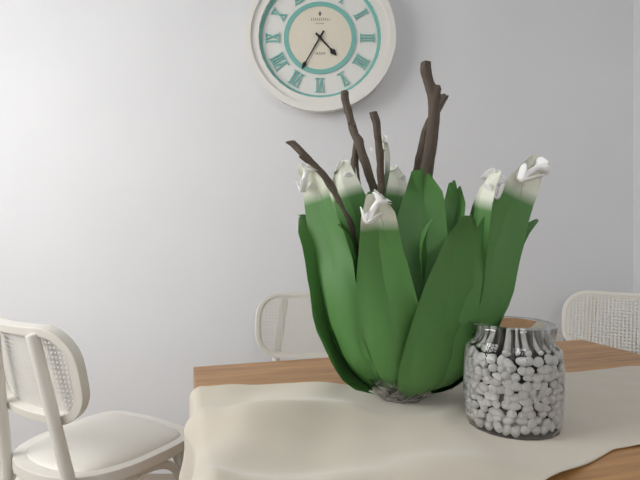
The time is 4:35
